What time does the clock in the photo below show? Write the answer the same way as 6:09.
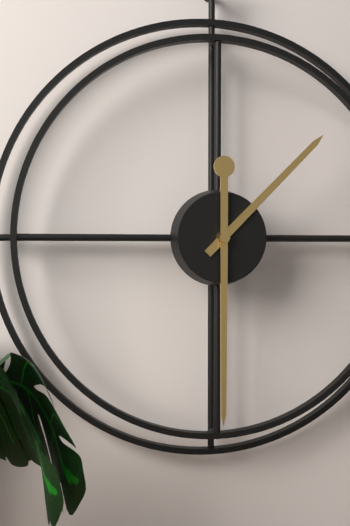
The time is 1:30
